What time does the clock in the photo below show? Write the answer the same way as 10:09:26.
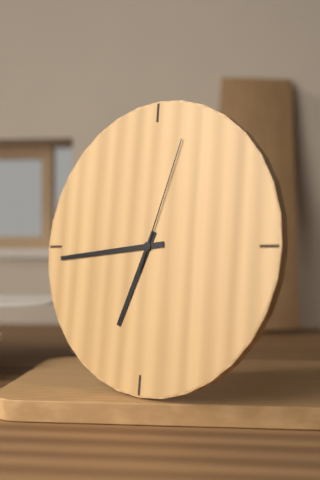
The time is 6:44:03
